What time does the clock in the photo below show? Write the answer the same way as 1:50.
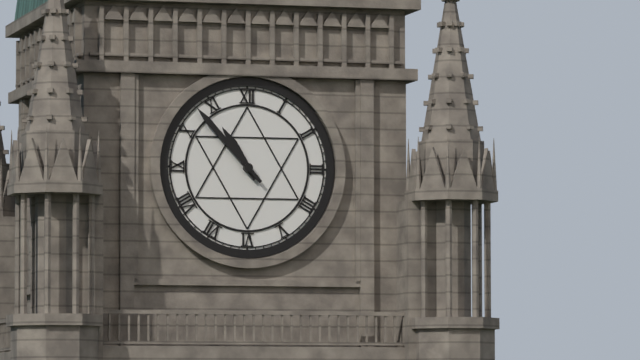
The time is 10:53
